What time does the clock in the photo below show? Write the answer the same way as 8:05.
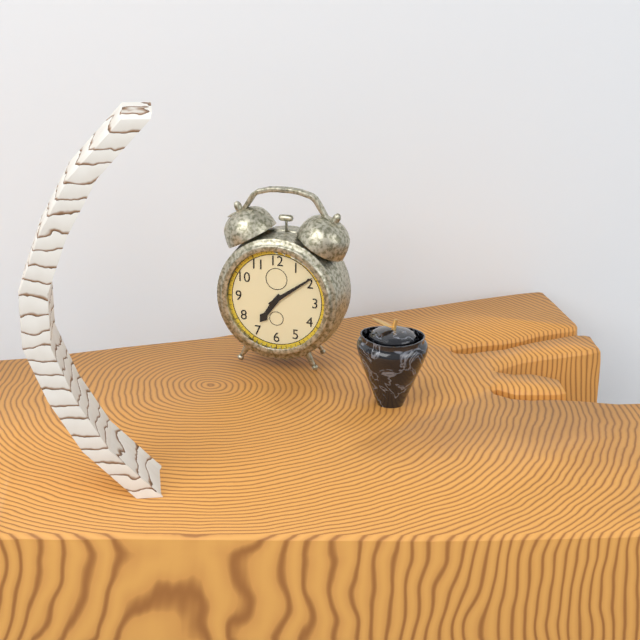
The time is 7:09
